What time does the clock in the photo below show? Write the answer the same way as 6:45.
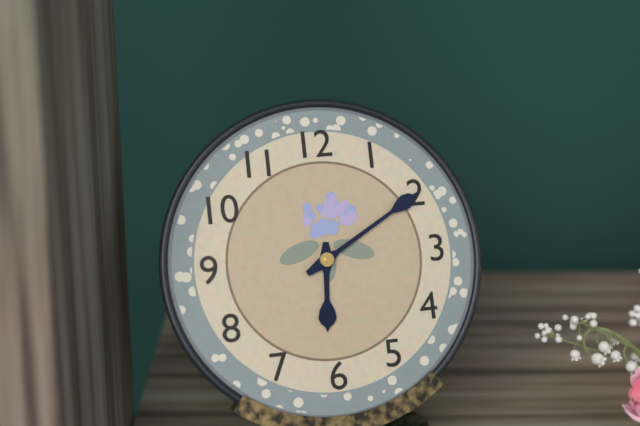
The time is 6:10
